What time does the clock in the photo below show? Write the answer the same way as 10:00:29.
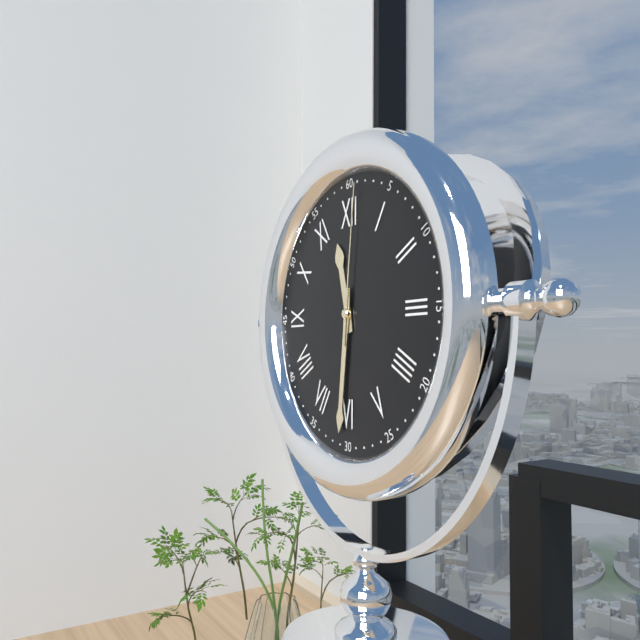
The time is 11:31:01
